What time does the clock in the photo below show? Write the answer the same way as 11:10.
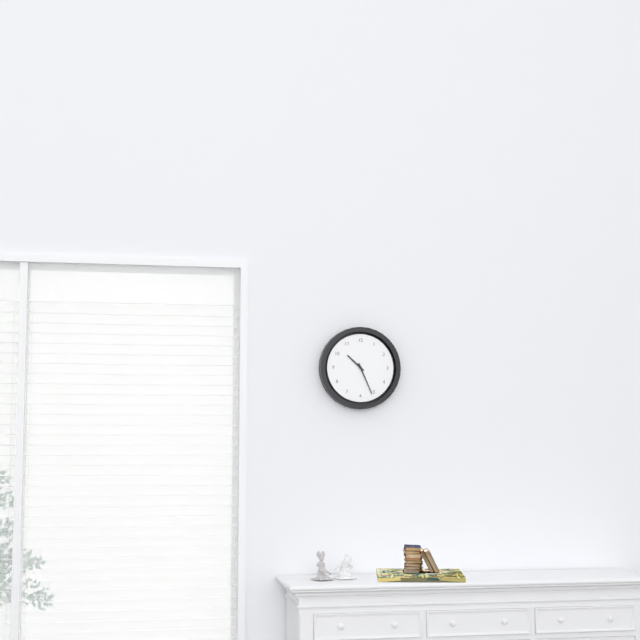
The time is 10:26
